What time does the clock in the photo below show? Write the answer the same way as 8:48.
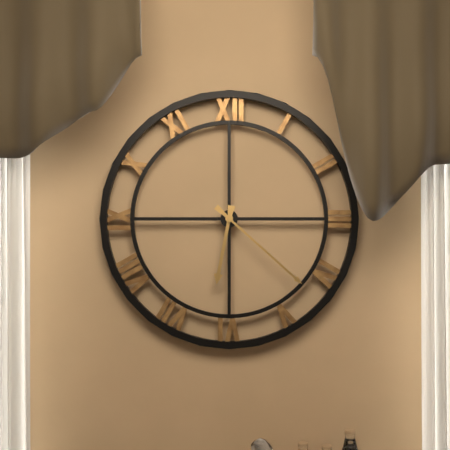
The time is 6:22
